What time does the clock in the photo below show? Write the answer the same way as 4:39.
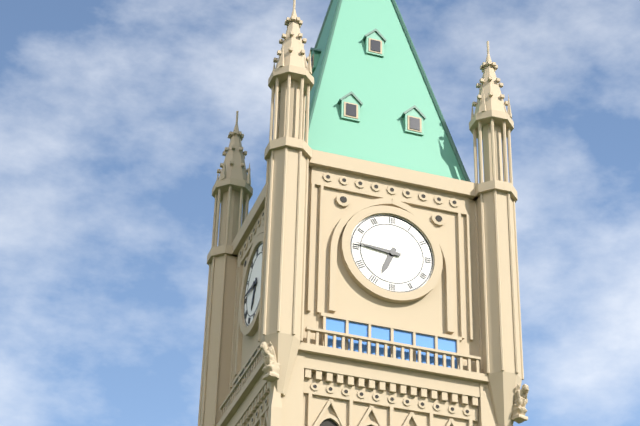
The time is 6:46
